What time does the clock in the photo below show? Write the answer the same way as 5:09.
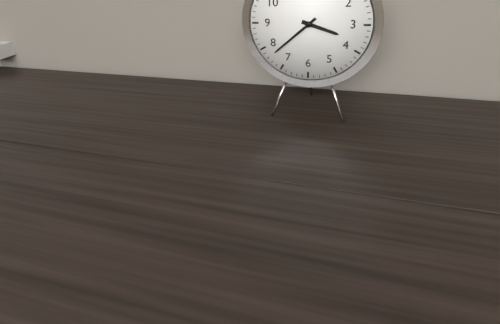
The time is 3:38
